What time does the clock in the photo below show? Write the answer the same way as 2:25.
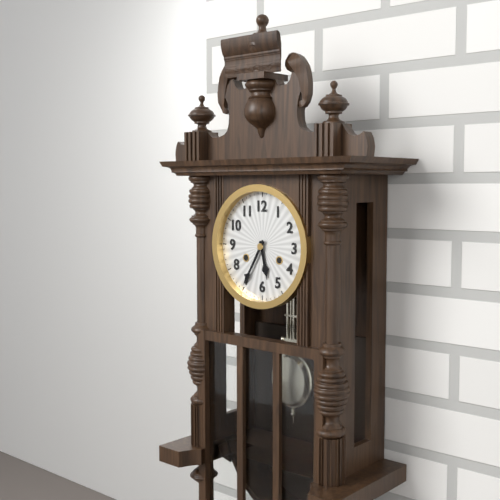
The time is 5:35
